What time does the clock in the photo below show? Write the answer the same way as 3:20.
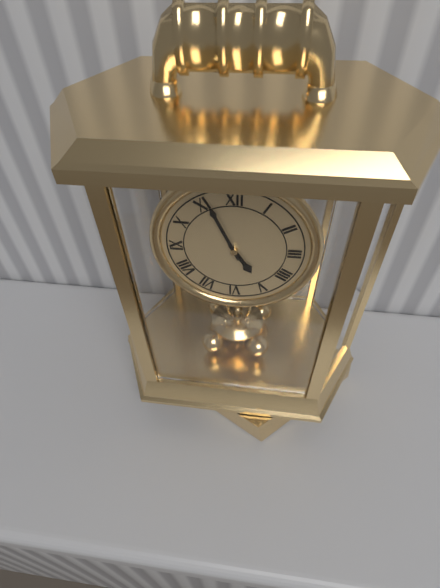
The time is 4:56
